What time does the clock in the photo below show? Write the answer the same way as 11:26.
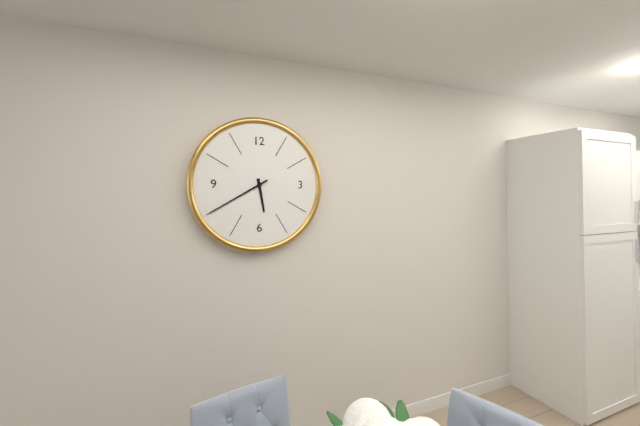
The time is 5:40
